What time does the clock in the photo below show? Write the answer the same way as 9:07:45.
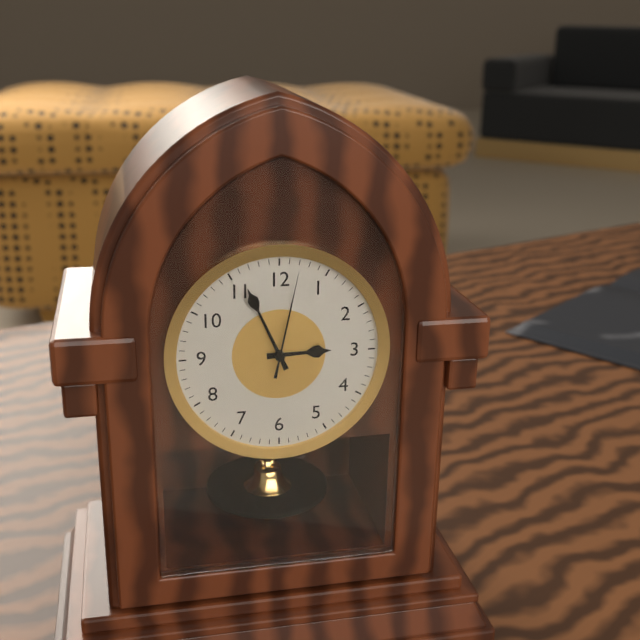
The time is 2:56:02
